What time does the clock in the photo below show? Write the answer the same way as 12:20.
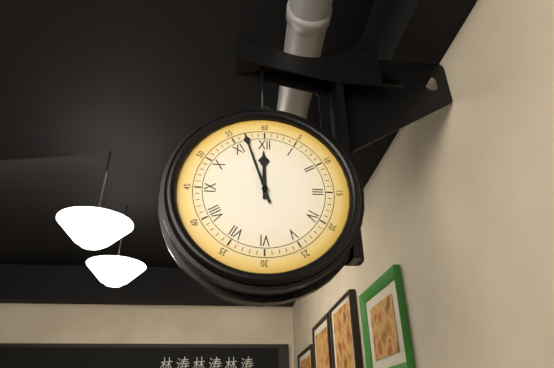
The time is 11:57
